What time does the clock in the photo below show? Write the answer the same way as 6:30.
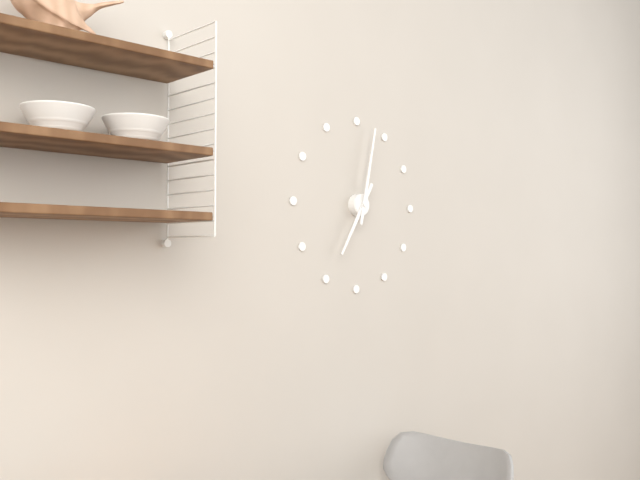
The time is 7:02
